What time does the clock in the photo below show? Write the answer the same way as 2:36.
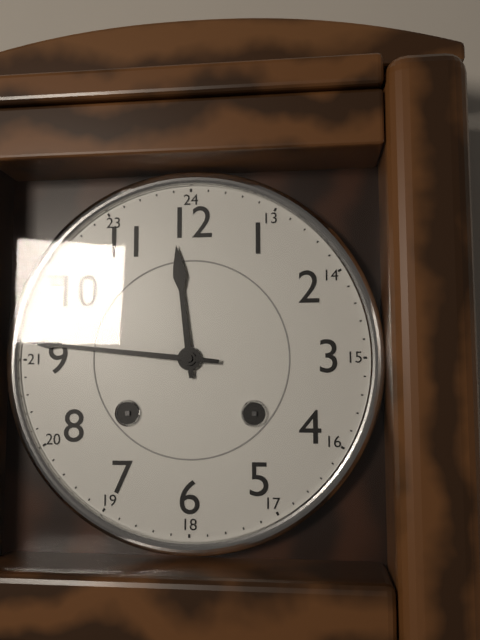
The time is 11:46
